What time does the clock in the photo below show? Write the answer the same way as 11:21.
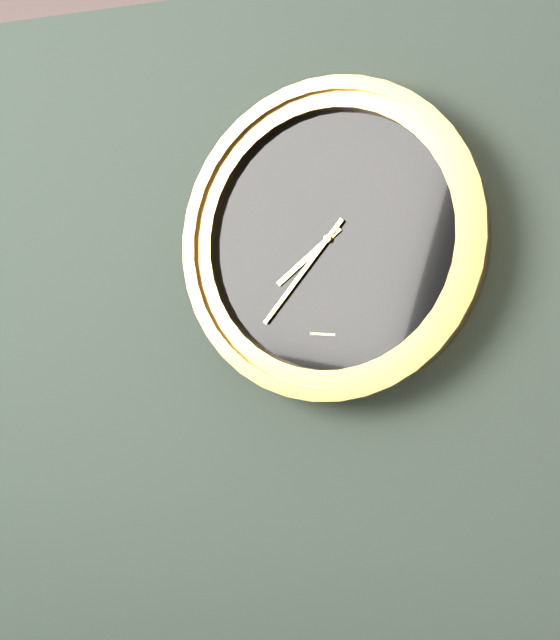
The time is 7:36
